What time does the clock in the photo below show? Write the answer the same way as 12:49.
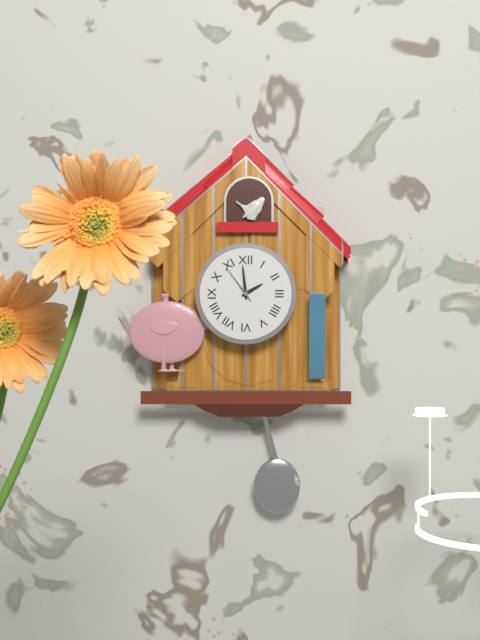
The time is 1:59
